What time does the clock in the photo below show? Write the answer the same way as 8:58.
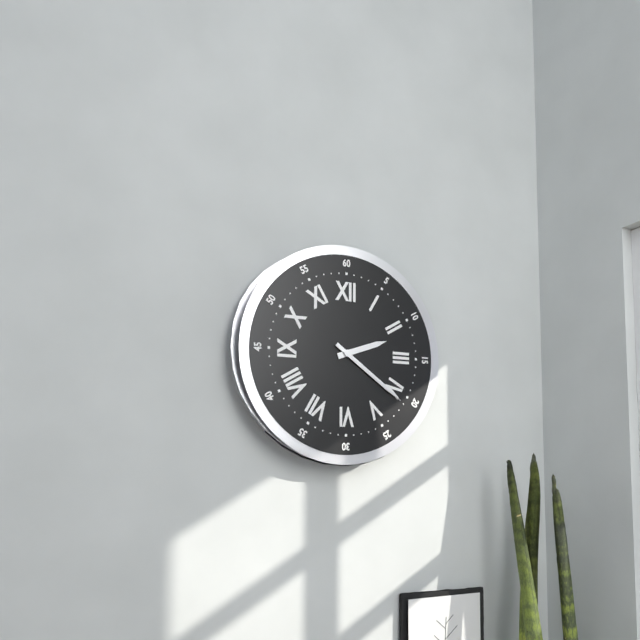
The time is 2:21
